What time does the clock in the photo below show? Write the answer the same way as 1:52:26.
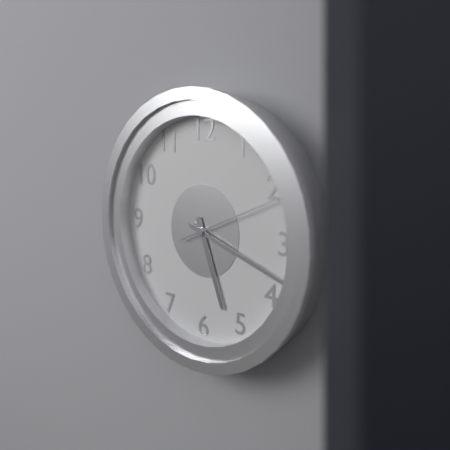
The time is 5:18:11
